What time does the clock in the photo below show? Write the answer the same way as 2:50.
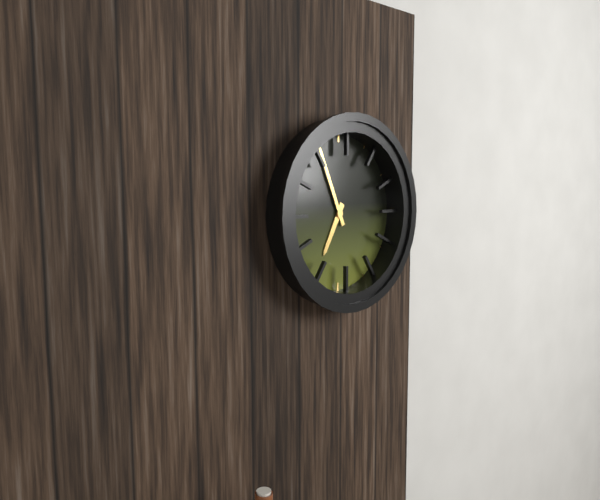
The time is 6:56
